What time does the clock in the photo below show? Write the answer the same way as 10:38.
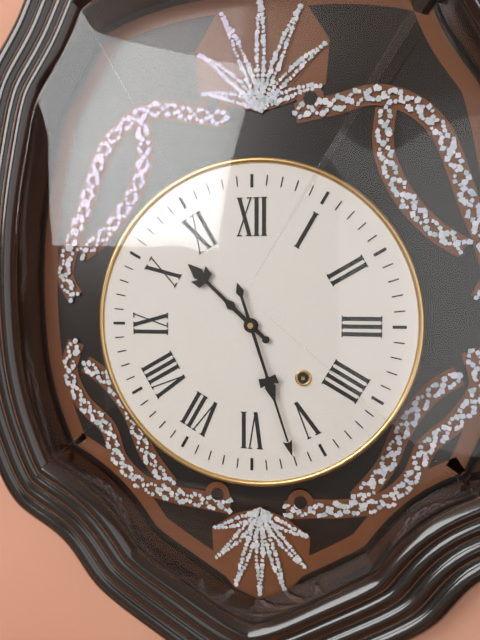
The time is 10:27
